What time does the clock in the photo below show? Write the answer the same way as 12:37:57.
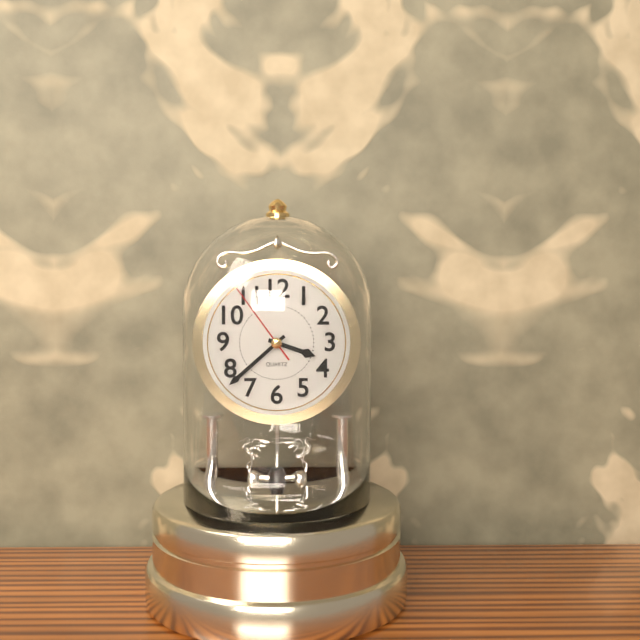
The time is 3:38:54
